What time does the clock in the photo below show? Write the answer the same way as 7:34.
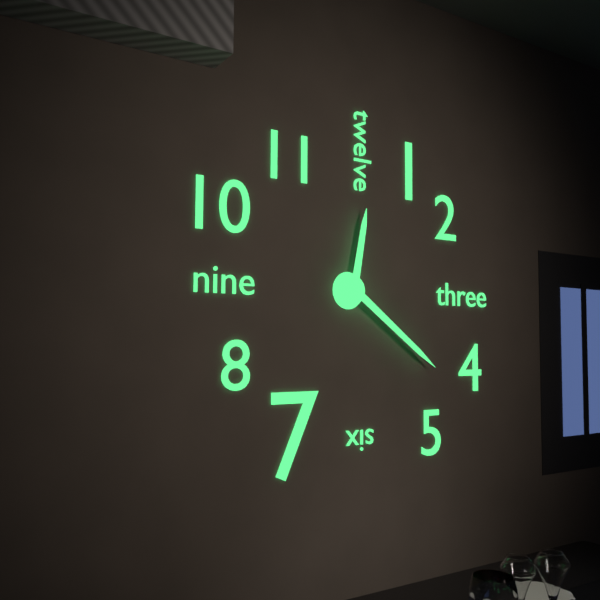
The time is 12:21
